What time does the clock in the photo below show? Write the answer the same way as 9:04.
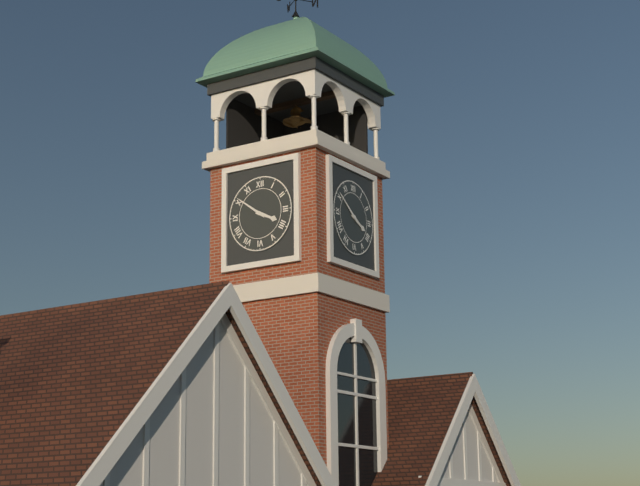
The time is 3:51
